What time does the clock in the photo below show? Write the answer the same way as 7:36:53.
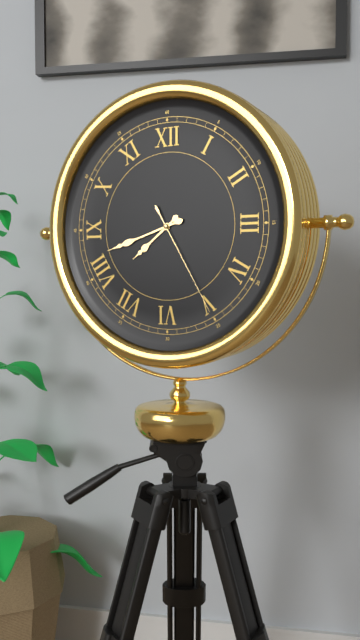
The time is 7:42:25
